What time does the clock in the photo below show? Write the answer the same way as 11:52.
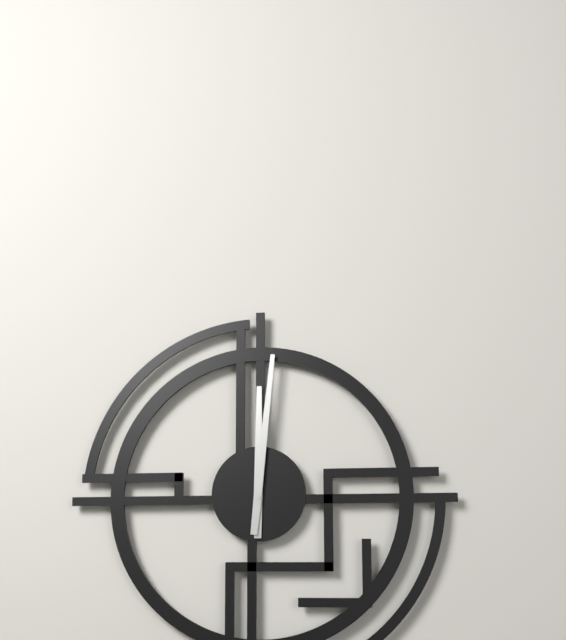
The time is 12:01
